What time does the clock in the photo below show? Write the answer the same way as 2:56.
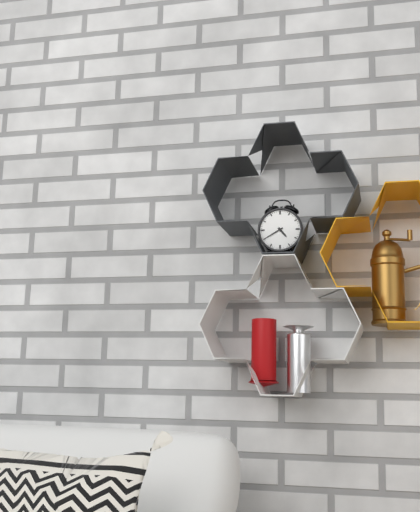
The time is 4:40
